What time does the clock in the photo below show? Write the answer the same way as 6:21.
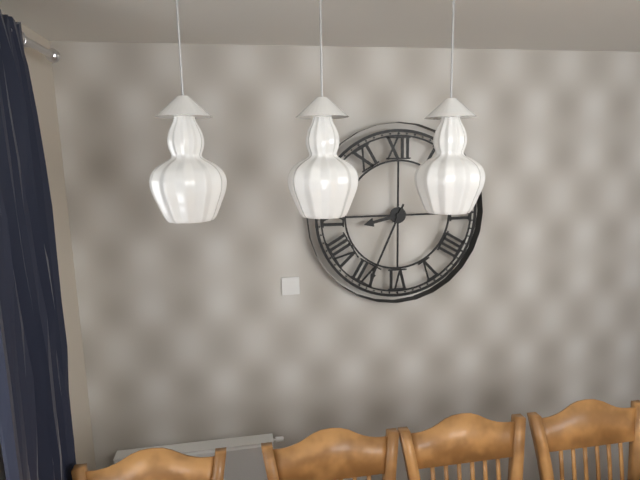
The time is 8:34
